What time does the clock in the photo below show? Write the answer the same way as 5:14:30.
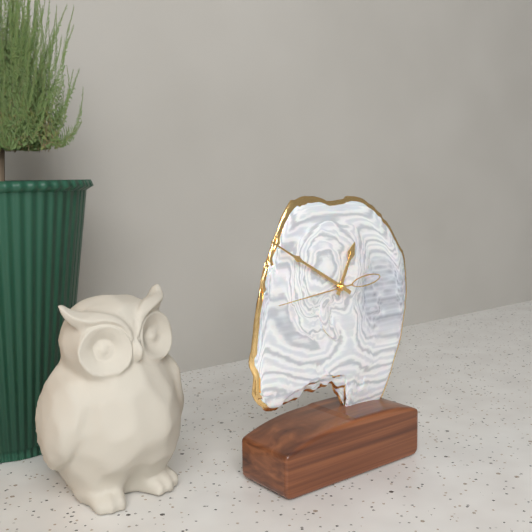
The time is 12:50:44
